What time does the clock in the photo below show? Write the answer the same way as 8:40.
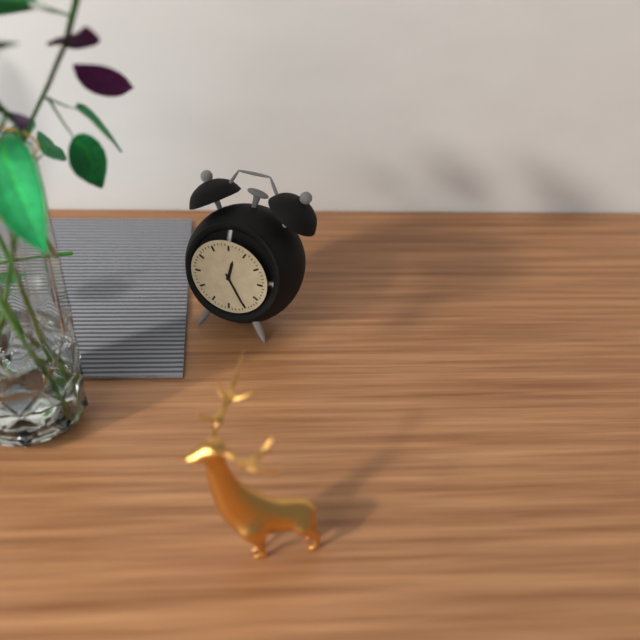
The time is 12:25
